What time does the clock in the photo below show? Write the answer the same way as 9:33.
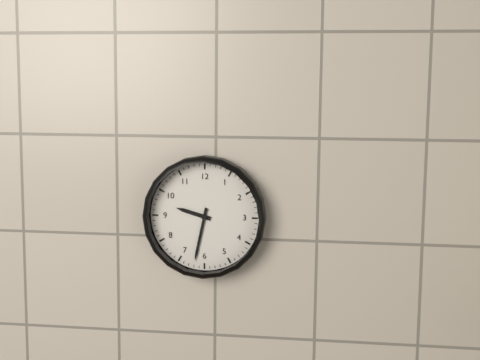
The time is 9:32
